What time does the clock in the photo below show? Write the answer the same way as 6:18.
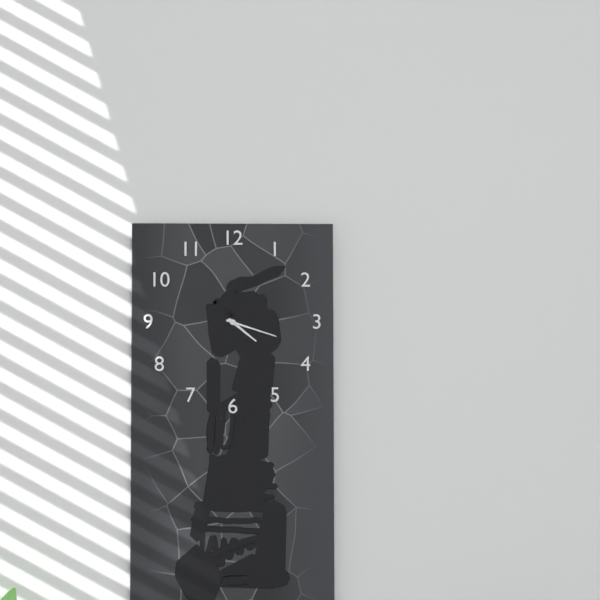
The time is 4:18
